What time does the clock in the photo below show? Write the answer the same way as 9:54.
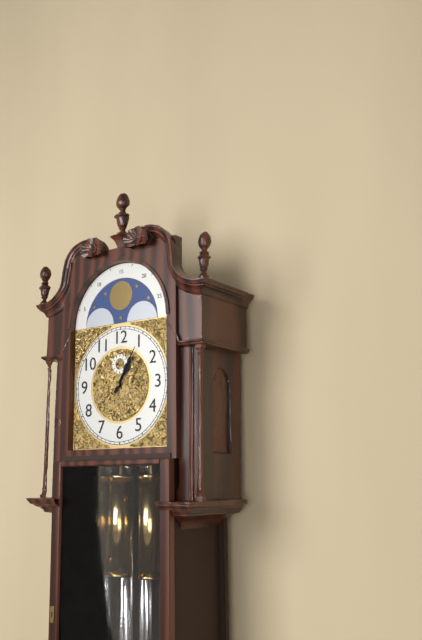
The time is 1:05
